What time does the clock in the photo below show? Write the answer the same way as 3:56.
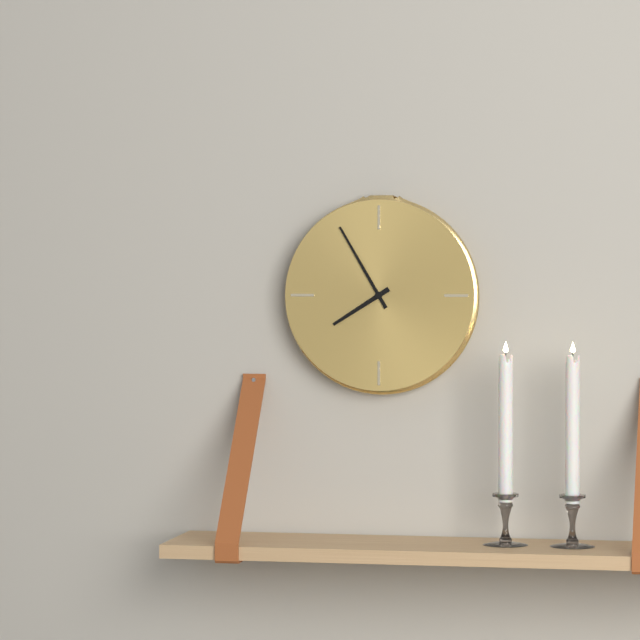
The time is 7:55
